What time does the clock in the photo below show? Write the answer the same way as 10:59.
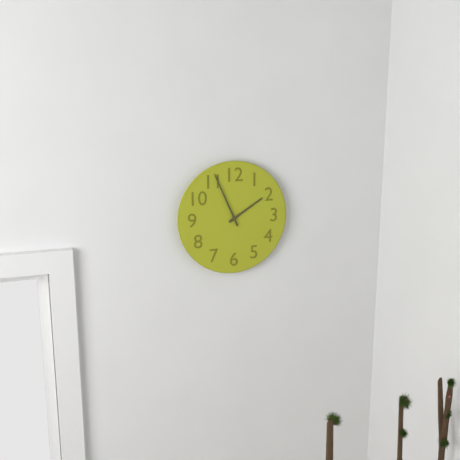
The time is 1:56
